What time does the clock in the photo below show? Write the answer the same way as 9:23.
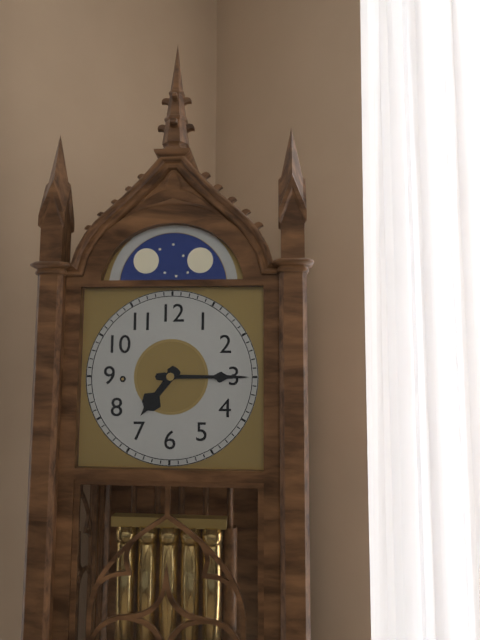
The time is 7:15
